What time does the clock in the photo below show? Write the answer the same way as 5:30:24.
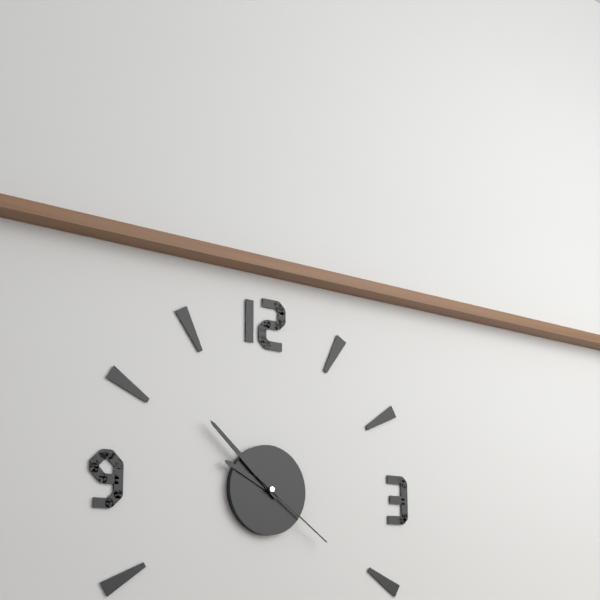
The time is 9:52:21
